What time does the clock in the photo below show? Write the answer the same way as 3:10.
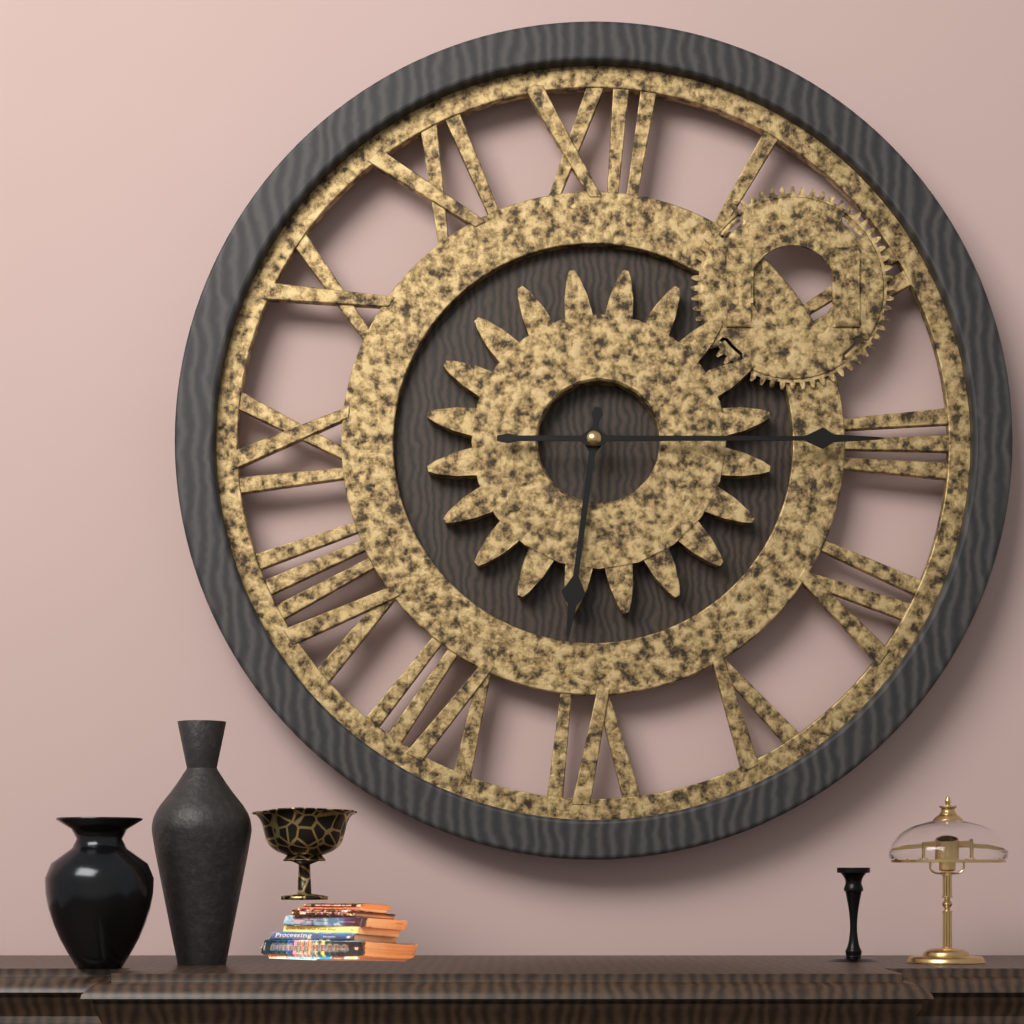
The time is 6:15
